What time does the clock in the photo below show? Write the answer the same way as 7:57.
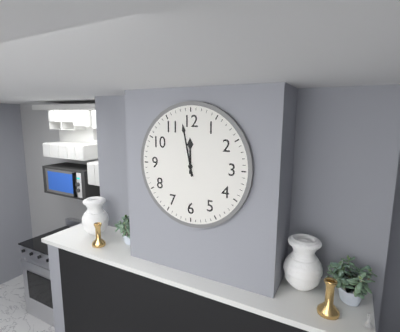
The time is 11:58
